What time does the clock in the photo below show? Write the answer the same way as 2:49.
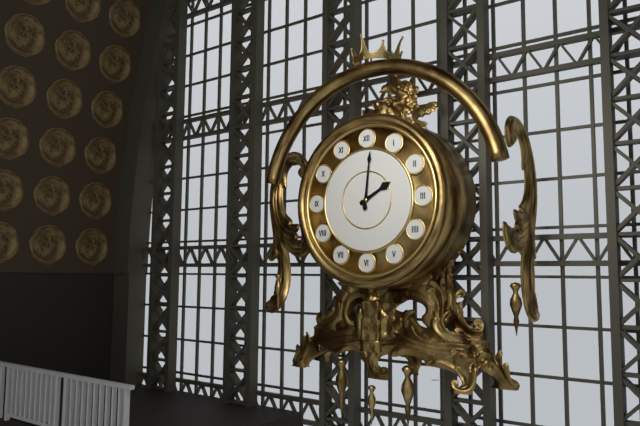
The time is 2:01
